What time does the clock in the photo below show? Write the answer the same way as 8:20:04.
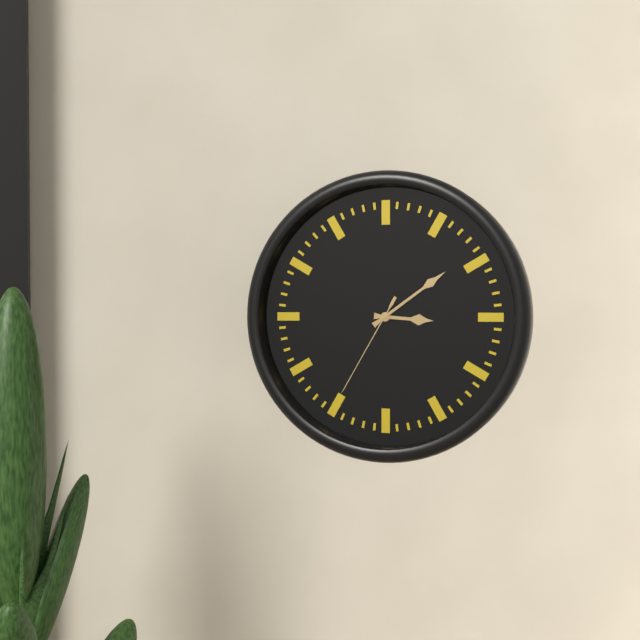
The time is 3:09:35
